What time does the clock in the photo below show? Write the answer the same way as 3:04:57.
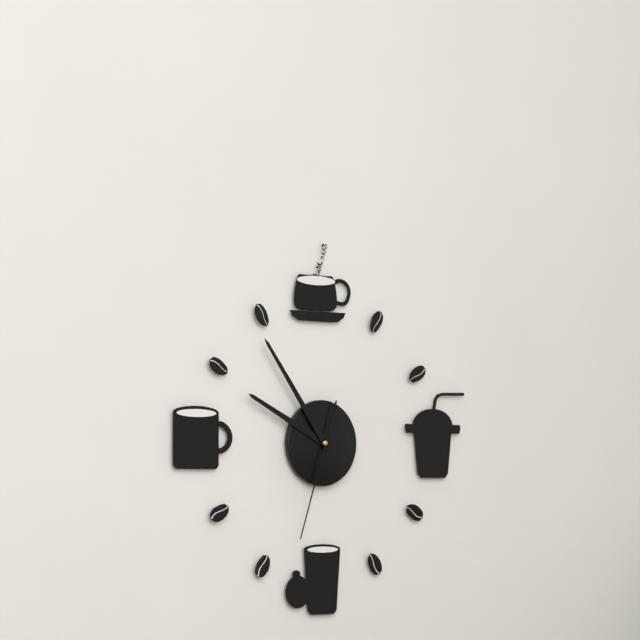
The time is 9:54:33
